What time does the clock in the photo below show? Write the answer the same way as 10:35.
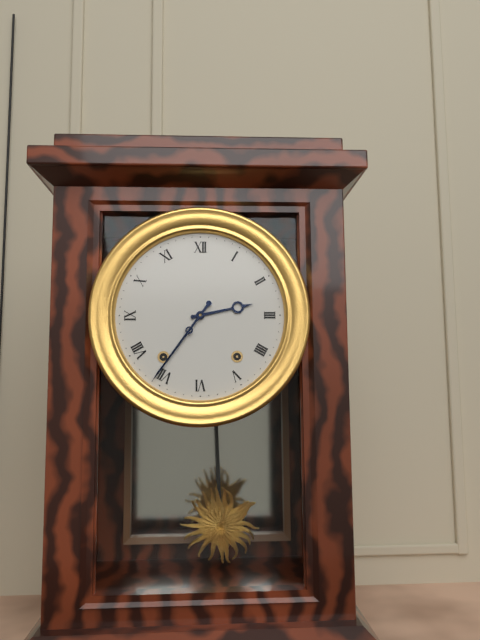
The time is 2:36
